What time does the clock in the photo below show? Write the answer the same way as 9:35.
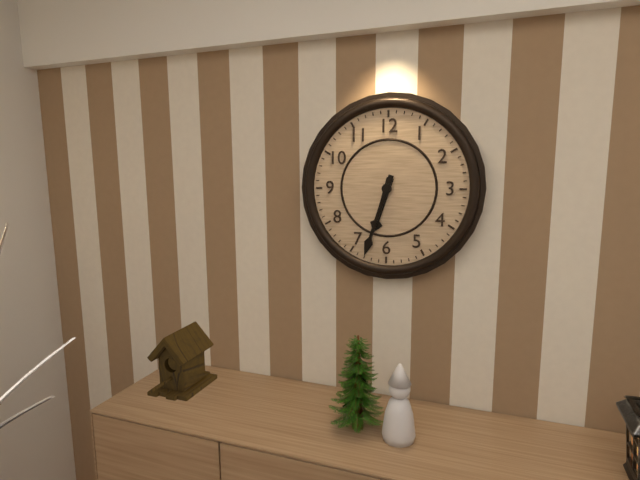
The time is 6:33
